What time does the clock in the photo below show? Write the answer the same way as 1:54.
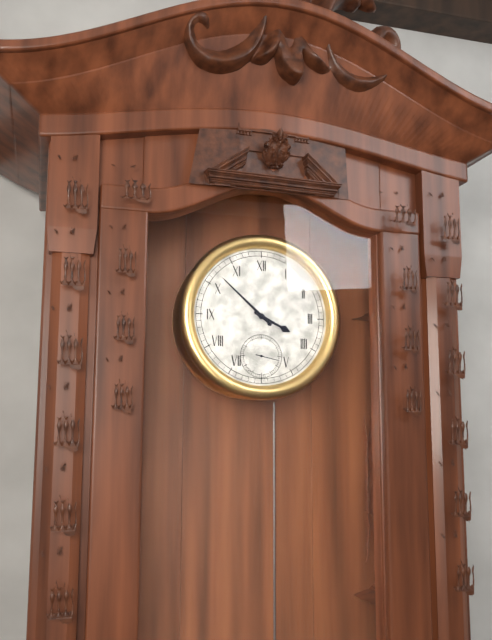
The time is 3:52
